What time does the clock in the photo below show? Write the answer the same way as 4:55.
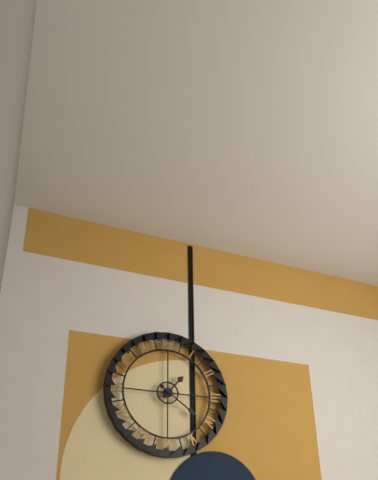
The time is 1:21
